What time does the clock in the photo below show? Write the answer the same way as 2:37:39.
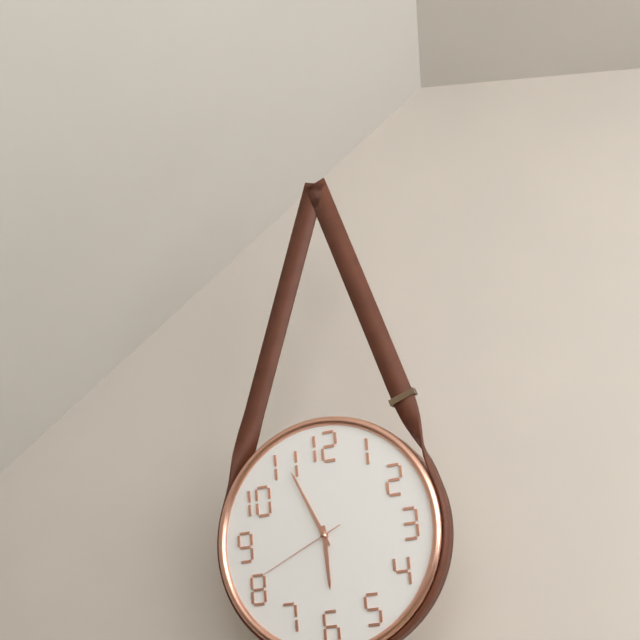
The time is 5:56:41
